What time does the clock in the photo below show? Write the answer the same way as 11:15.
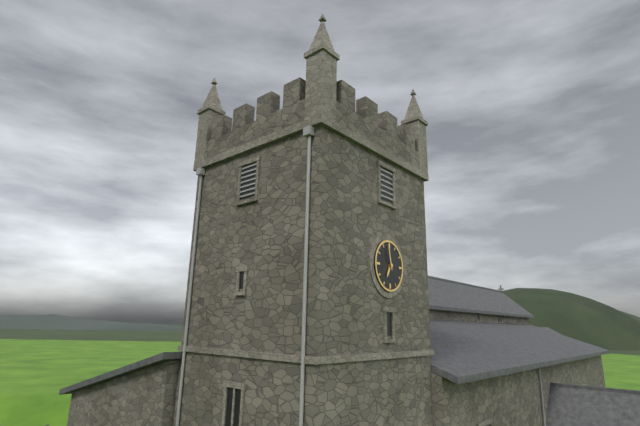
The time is 6:58
